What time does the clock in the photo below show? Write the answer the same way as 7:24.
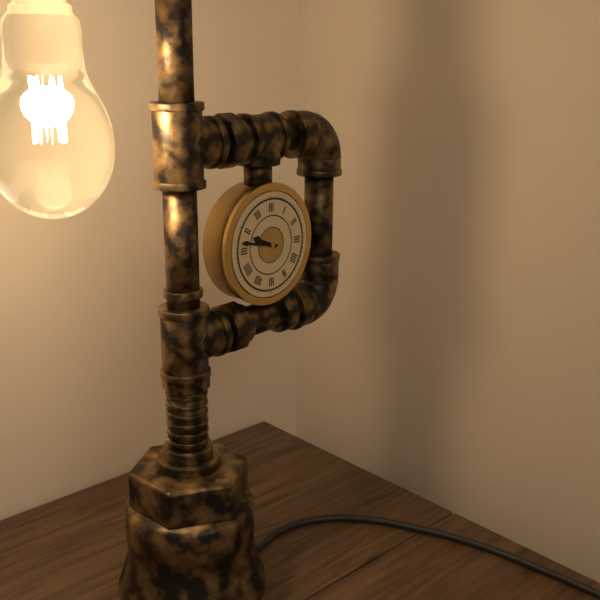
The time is 9:47
